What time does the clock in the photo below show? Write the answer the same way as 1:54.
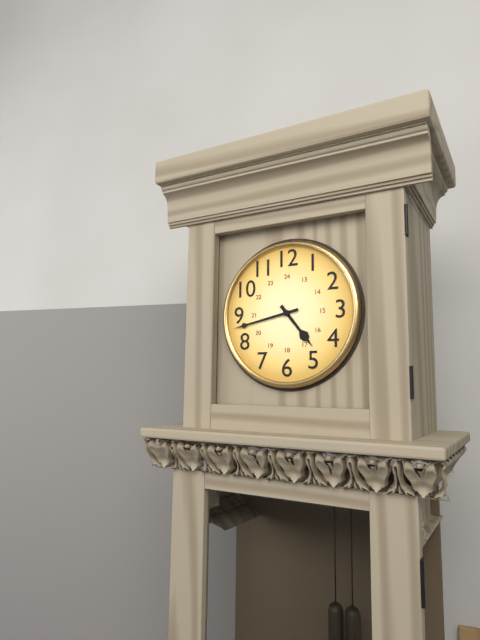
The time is 4:43
